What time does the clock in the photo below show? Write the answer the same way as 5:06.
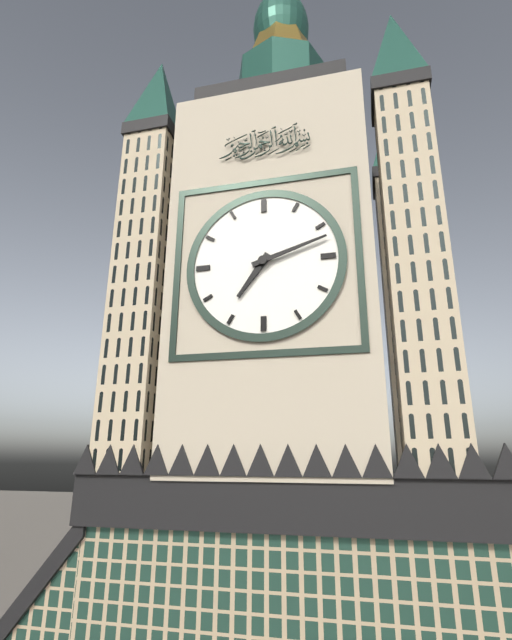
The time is 7:12
